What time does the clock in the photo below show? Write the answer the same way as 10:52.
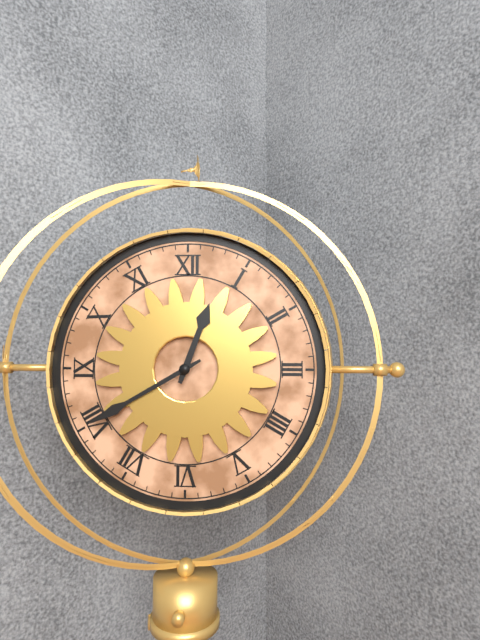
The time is 12:40
